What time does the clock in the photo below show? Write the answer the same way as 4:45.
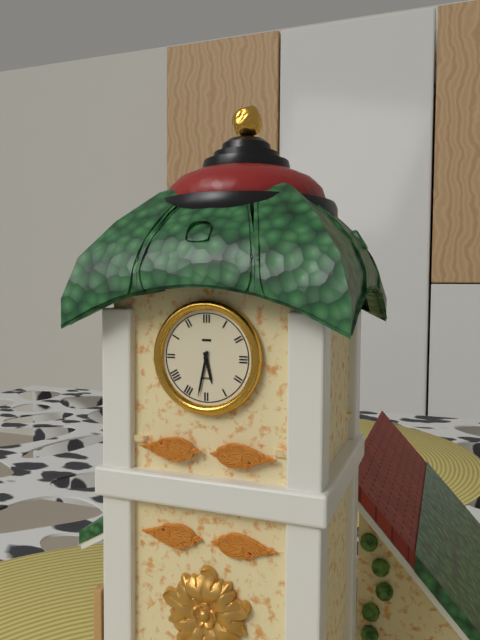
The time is 5:32
